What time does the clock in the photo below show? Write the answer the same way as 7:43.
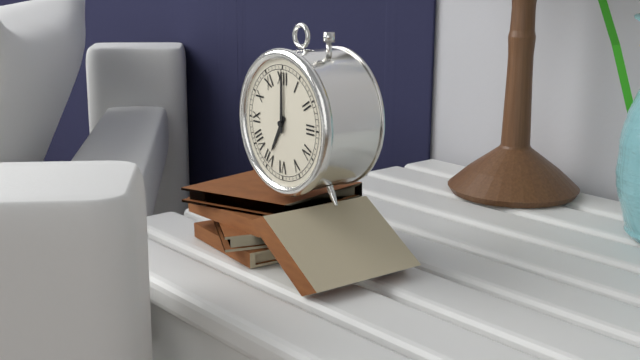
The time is 7:00
